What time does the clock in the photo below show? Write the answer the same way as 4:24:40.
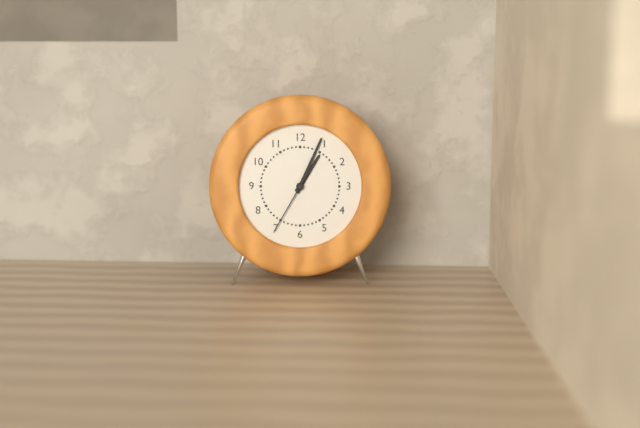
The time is 1:04:35
